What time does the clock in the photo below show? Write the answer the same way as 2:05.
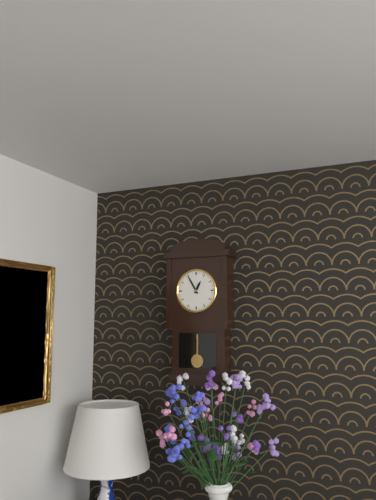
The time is 12:55
